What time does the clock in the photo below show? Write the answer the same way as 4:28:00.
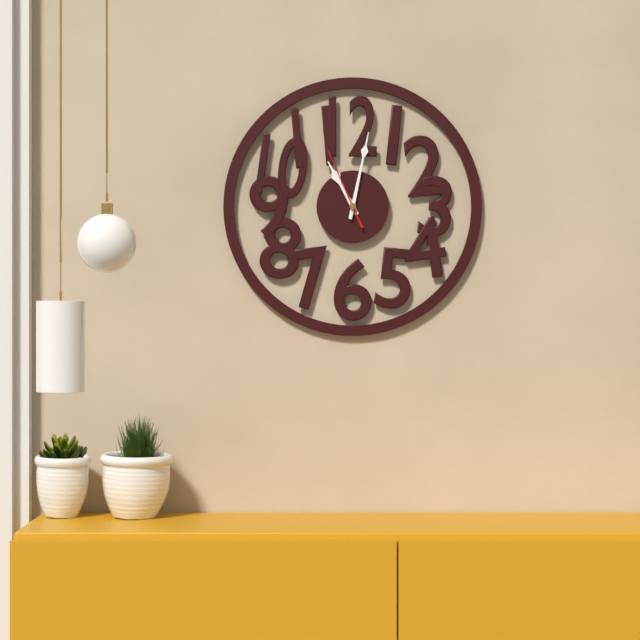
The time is 11:02:56
